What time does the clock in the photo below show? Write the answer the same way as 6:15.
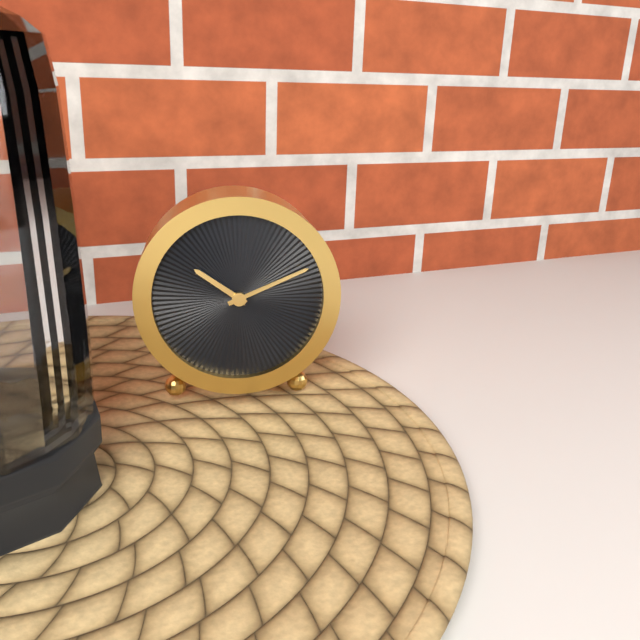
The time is 10:11
